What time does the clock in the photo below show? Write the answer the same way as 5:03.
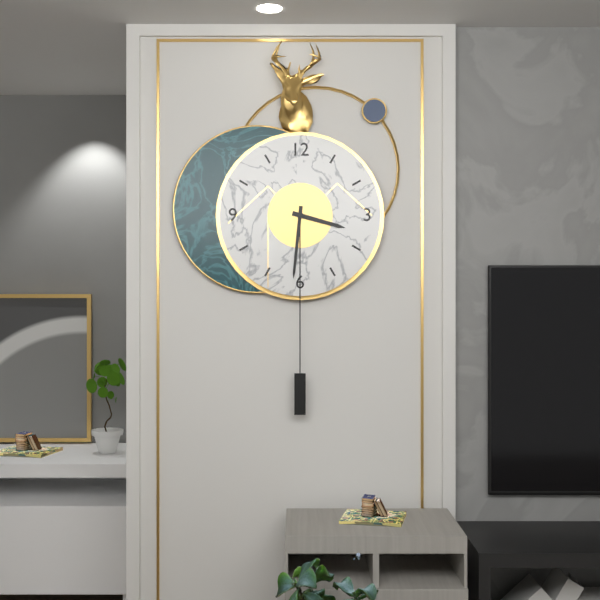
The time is 3:31
